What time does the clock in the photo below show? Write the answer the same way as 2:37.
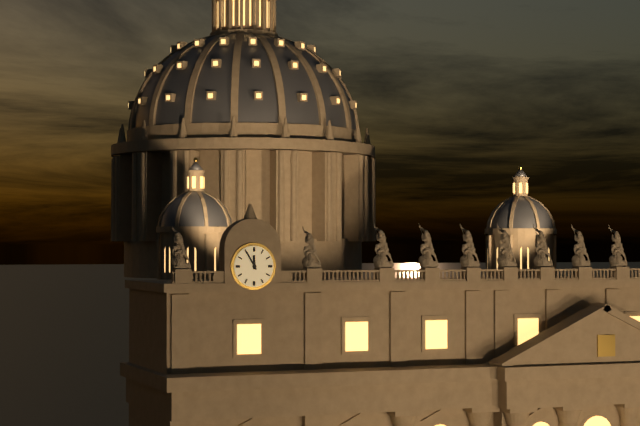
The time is 11:55
